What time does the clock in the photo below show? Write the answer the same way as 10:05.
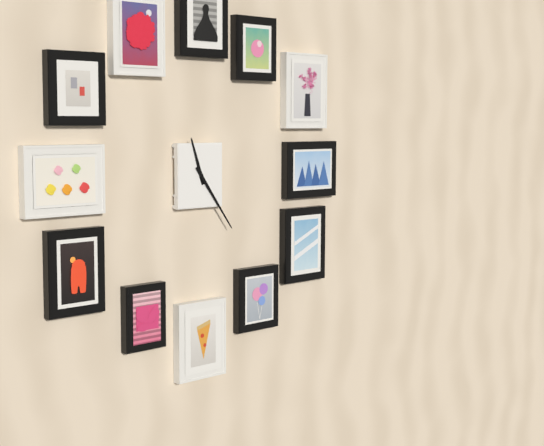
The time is 11:24
